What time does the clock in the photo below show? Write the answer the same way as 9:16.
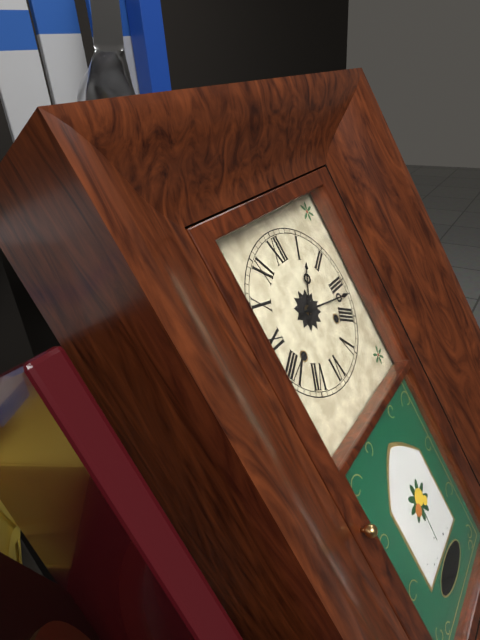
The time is 1:17
